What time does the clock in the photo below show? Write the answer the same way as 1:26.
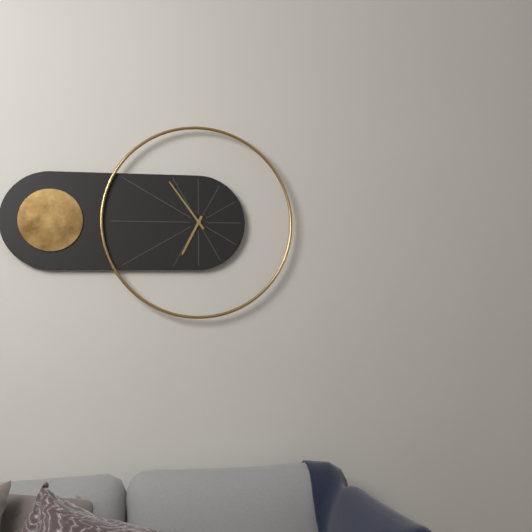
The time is 6:54
